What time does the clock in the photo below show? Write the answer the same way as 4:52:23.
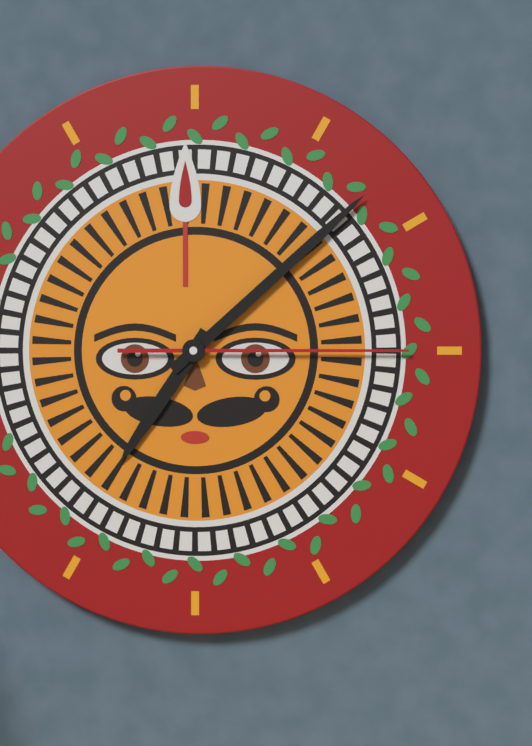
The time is 7:08:15
